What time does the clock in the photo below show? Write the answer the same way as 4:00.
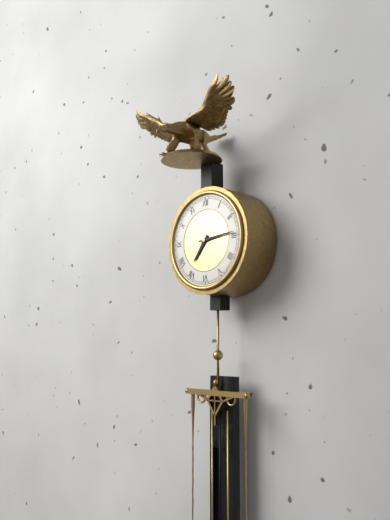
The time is 7:14
